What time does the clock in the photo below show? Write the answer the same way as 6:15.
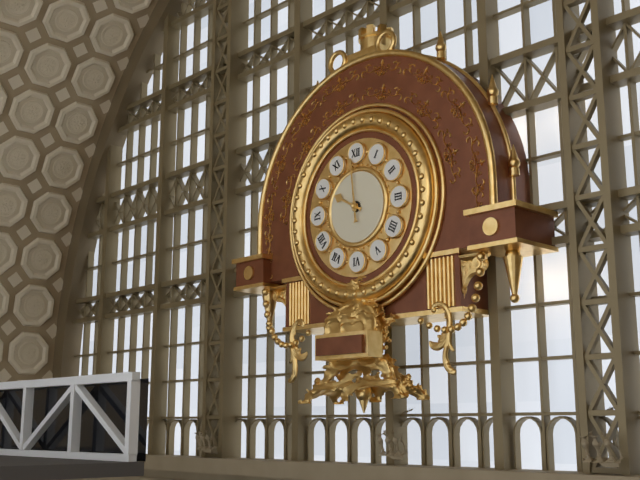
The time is 9:59
